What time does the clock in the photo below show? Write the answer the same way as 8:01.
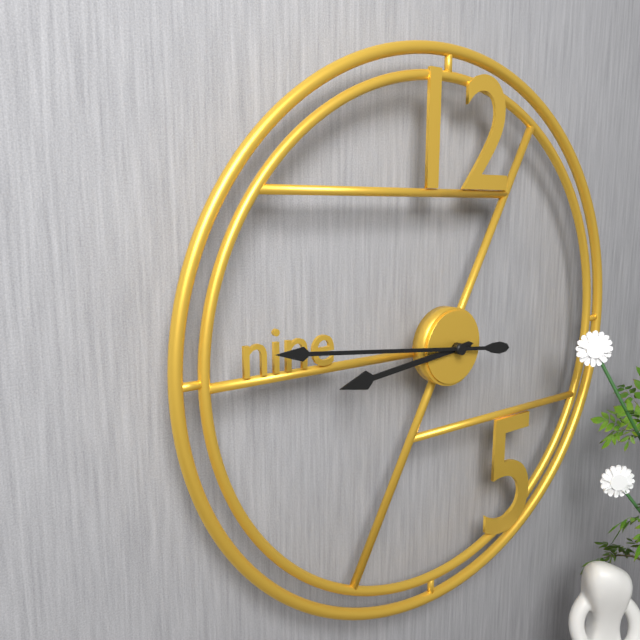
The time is 8:46
